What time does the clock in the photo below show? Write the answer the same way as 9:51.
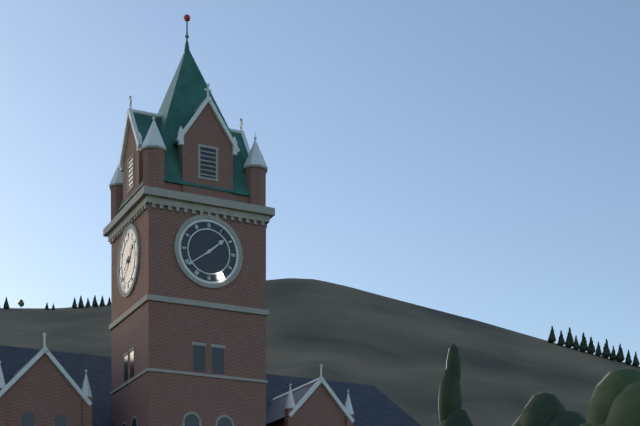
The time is 1:39
